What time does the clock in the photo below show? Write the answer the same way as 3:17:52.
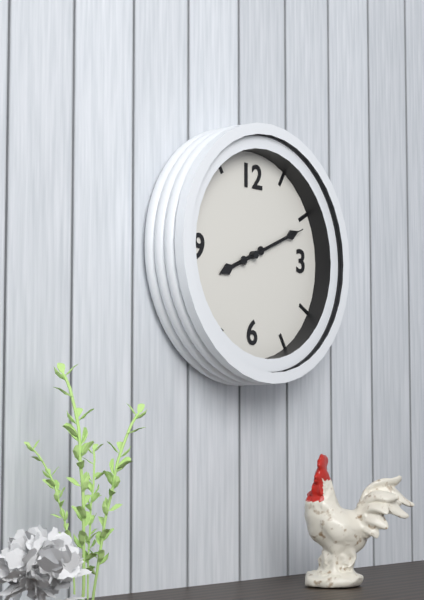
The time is 8:11:11
